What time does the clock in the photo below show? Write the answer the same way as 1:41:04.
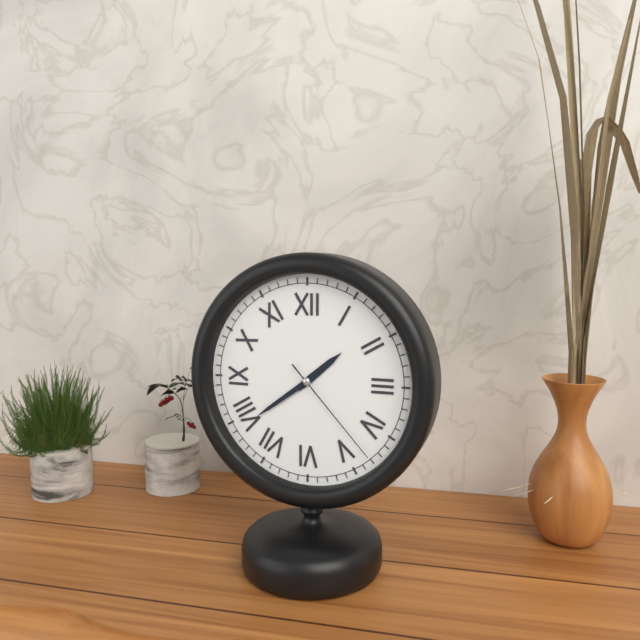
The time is 1:39:23
